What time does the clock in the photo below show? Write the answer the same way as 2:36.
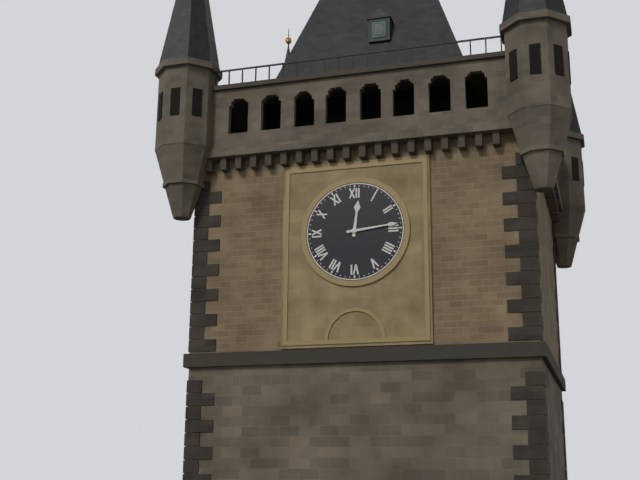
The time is 12:14
